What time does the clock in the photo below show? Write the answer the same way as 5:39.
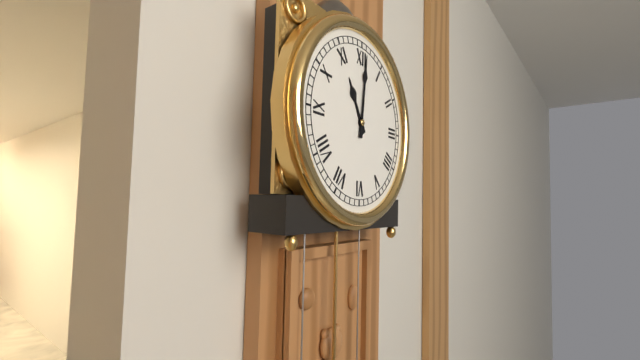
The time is 11:01
